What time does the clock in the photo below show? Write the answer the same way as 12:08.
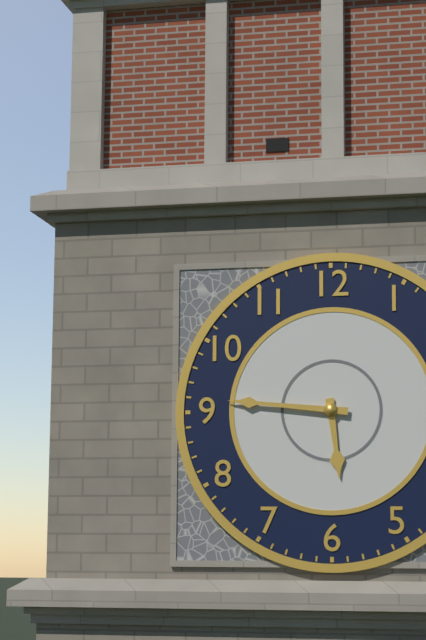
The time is 5:46
